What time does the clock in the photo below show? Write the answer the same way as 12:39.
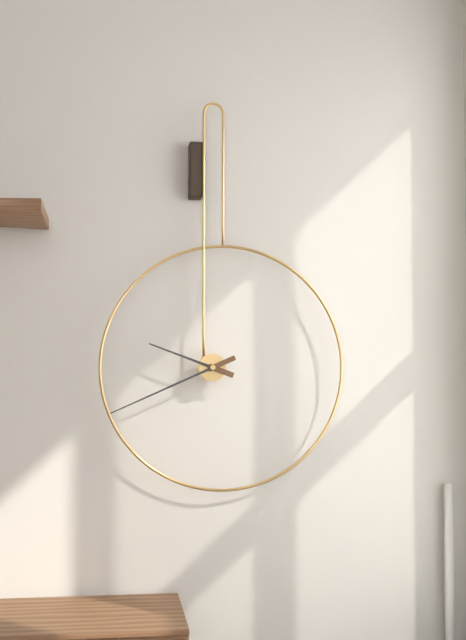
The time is 9:41
